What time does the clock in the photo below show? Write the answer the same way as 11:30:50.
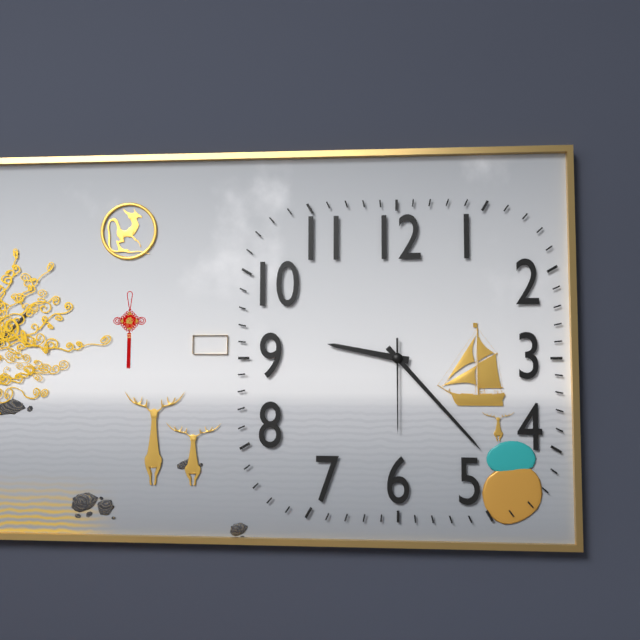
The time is 9:23:30
